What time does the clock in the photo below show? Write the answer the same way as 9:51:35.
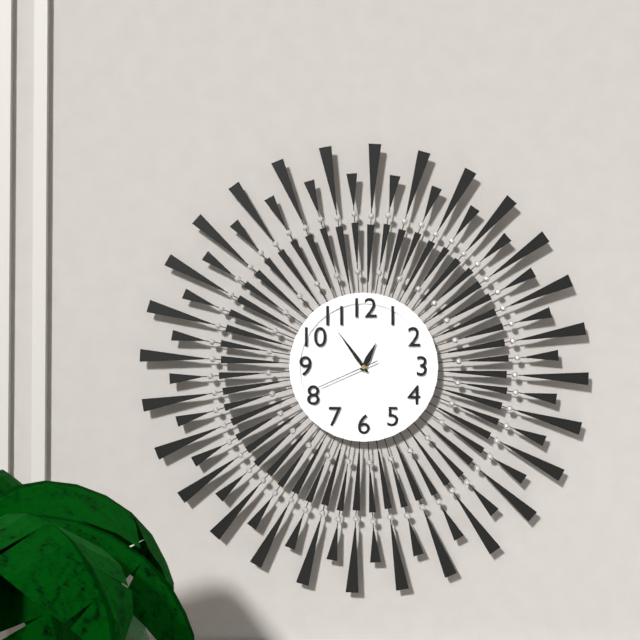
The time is 12:54:41
